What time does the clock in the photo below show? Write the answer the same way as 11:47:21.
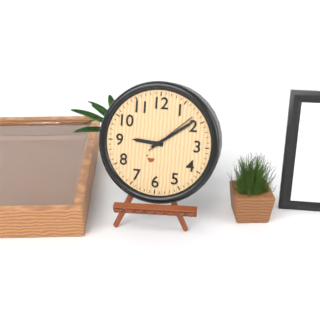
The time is 9:09:08
